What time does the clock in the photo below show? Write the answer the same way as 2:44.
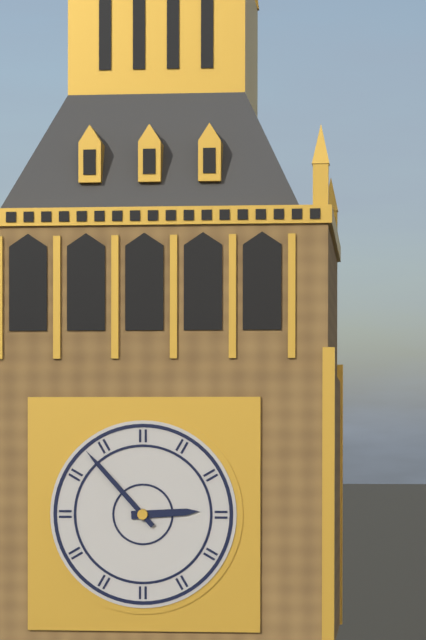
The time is 2:53
